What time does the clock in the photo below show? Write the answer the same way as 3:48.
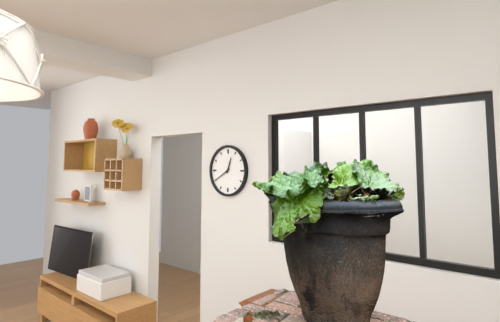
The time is 12:40
